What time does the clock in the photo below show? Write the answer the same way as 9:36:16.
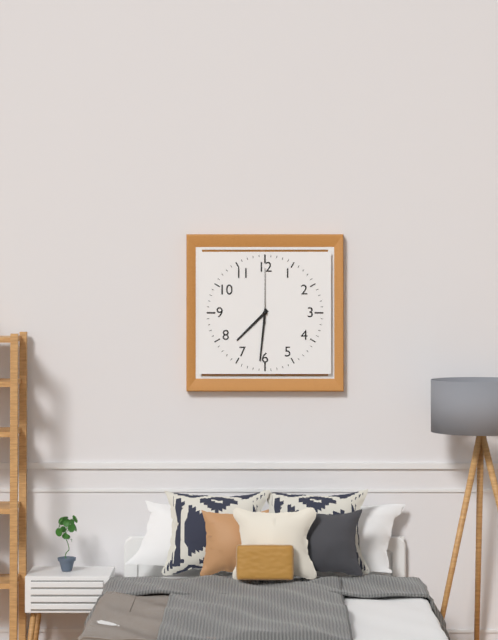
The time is 7:31:00
